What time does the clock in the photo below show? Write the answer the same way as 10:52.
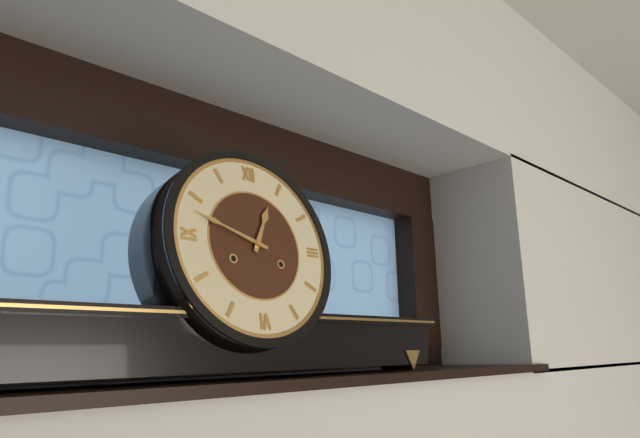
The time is 12:48
